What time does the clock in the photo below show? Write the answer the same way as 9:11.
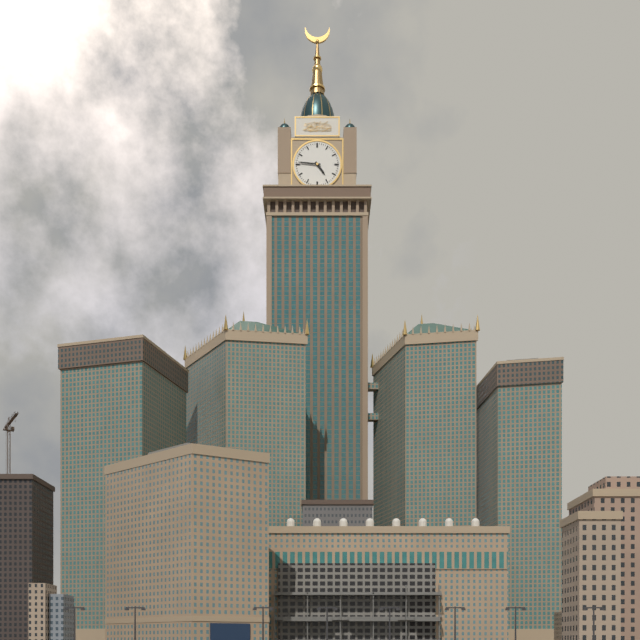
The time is 4:46
